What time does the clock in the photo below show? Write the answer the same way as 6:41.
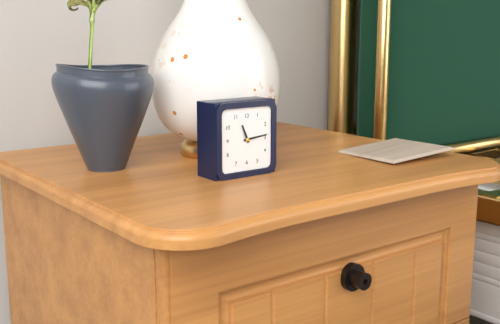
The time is 11:14
